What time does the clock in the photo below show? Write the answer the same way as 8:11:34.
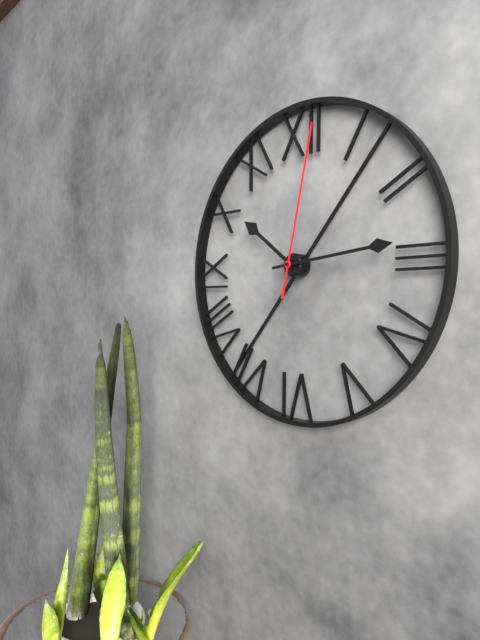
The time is 10:14:02
